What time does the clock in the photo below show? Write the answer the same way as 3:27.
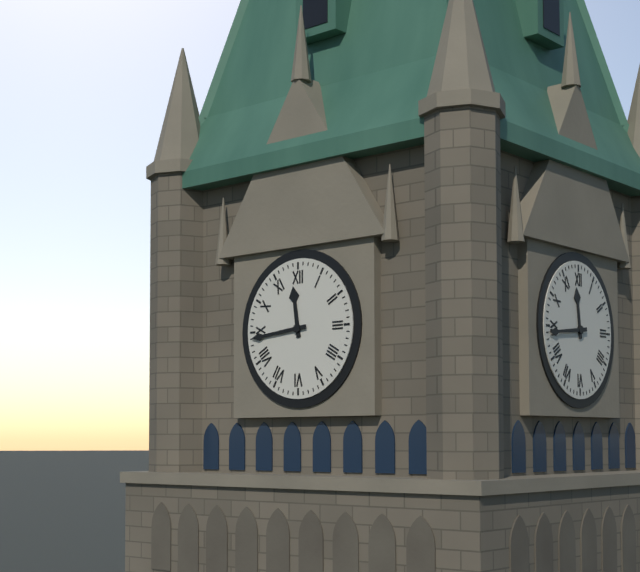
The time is 11:44
